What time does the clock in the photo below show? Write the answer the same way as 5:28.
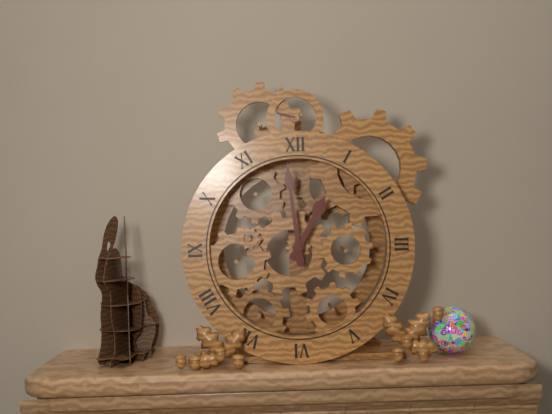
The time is 12:59
